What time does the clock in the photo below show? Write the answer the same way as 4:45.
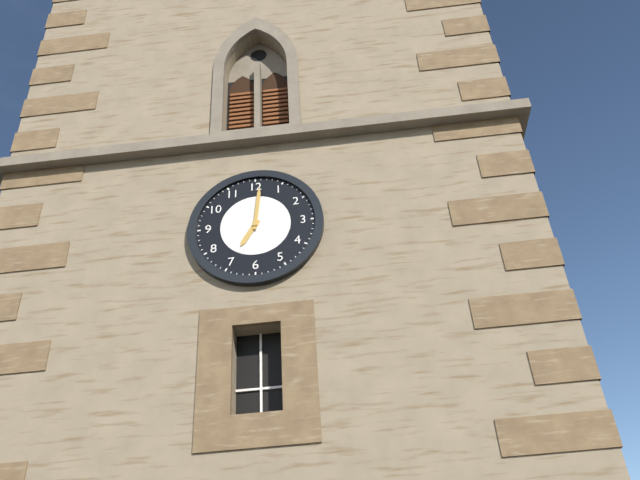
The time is 7:01
